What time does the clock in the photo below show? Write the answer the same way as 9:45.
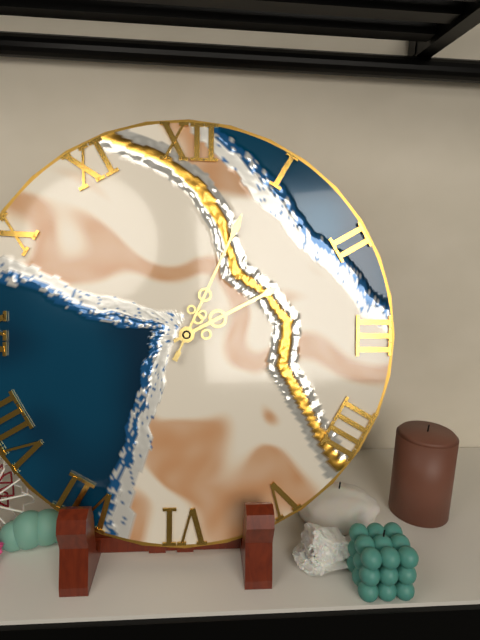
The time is 2:04
